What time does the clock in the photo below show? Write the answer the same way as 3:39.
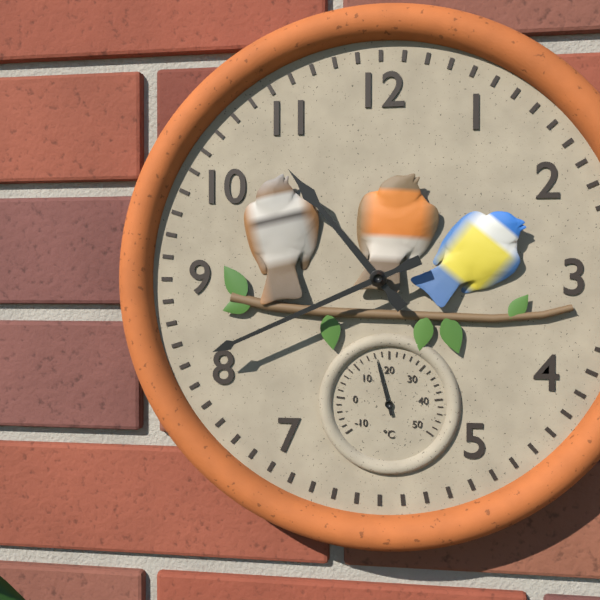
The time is 10:41
